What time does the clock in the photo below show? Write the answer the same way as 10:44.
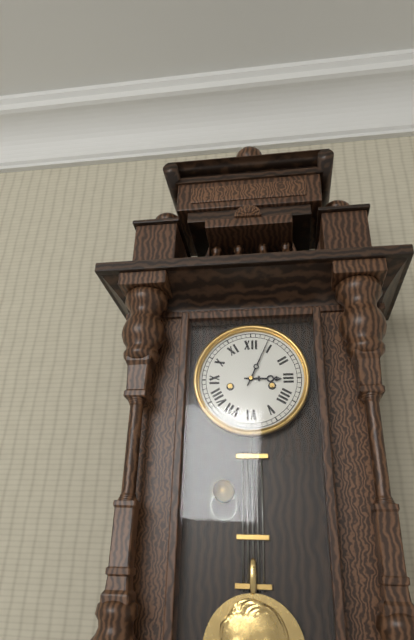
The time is 3:04
